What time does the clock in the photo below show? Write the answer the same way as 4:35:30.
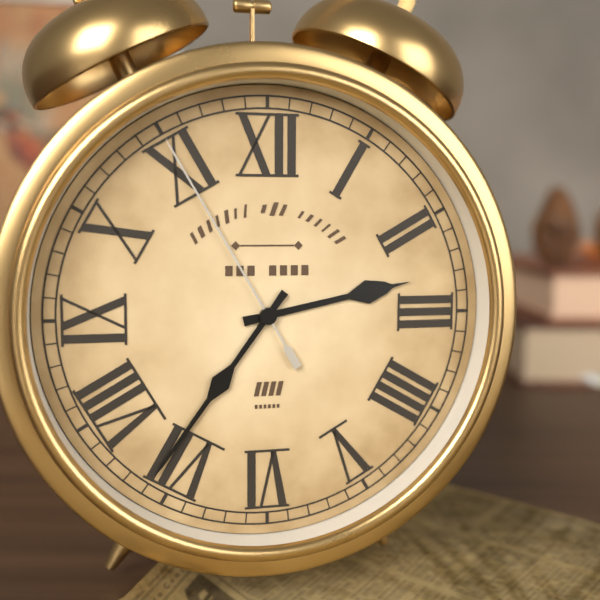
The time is 2:36:55
